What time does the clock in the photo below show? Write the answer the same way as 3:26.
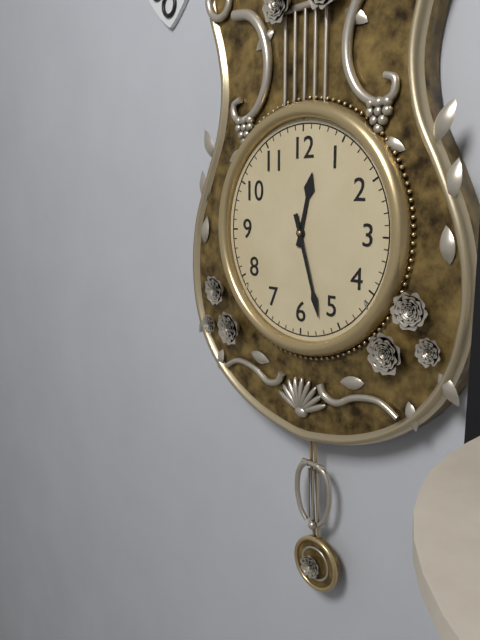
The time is 12:27
